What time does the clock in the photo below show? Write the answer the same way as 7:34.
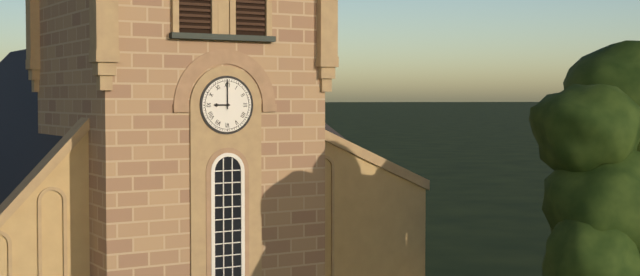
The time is 9:00
